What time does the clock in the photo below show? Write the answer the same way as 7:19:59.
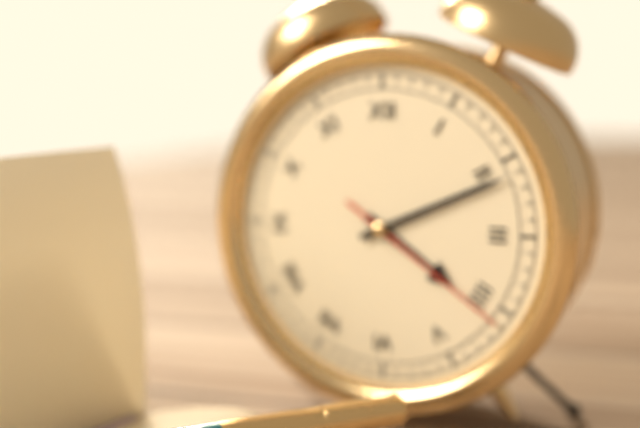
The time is 4:11:21
